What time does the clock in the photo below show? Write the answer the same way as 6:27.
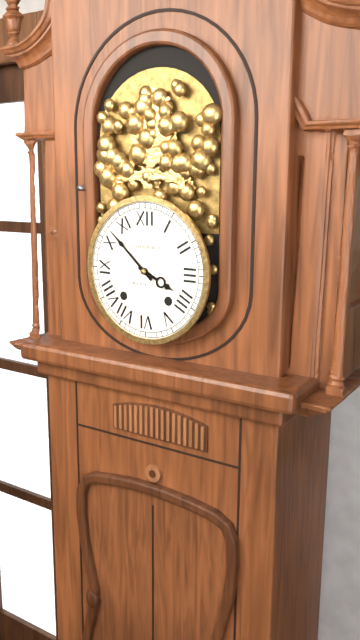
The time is 3:52
